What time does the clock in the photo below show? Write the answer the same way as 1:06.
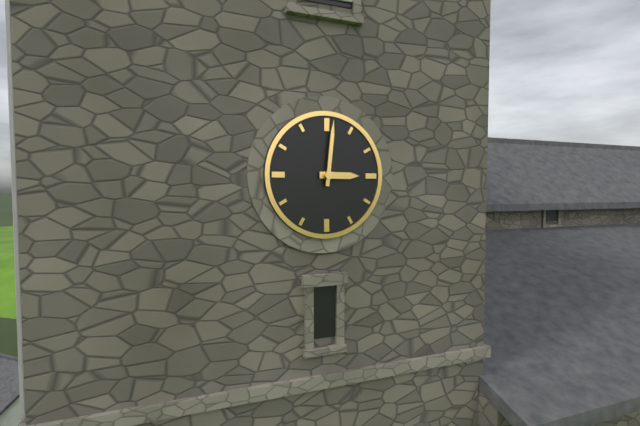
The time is 3:01
